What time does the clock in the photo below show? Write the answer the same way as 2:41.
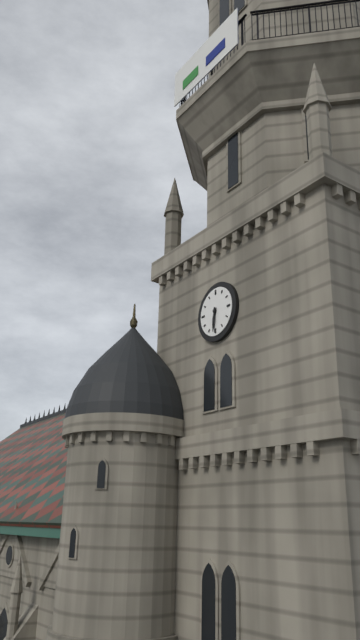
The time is 6:31
